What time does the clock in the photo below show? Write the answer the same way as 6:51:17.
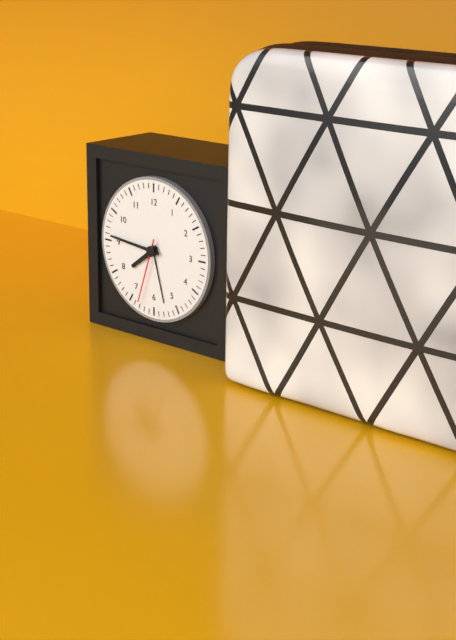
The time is 7:46:33
